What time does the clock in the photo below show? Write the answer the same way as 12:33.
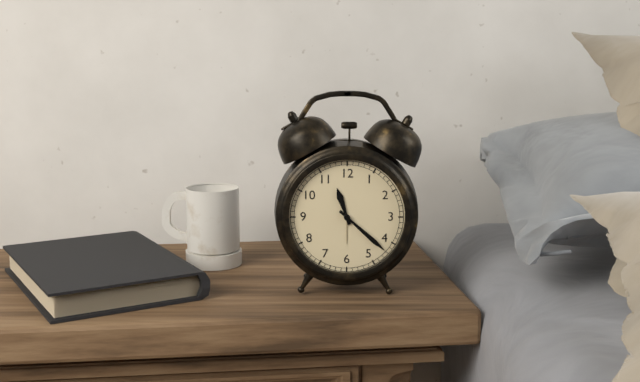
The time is 11:22
